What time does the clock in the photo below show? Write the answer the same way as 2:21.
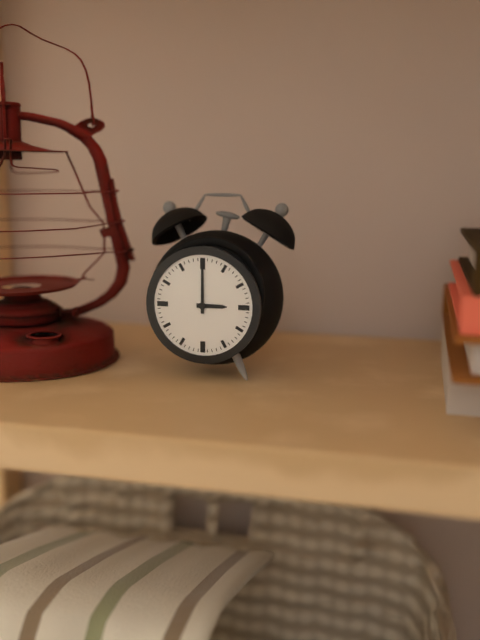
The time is 3:00
